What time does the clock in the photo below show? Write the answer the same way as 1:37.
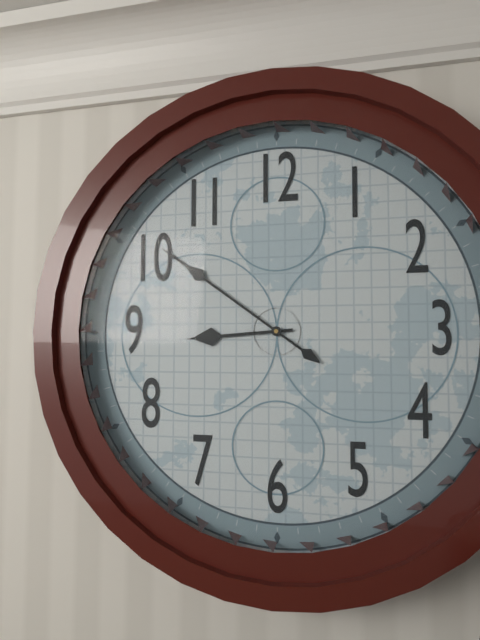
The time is 8:51
